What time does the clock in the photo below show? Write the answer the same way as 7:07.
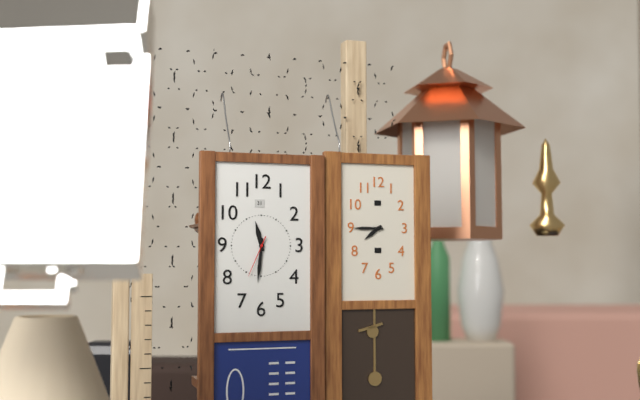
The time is 11:31
